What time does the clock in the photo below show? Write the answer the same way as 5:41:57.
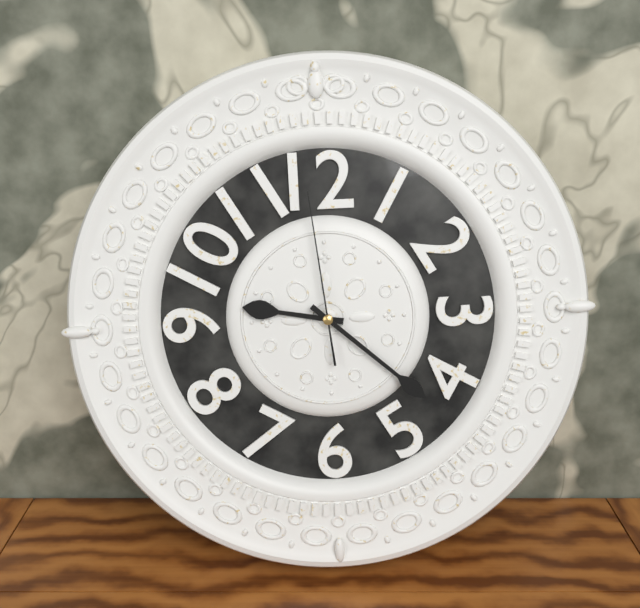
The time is 9:22:59
